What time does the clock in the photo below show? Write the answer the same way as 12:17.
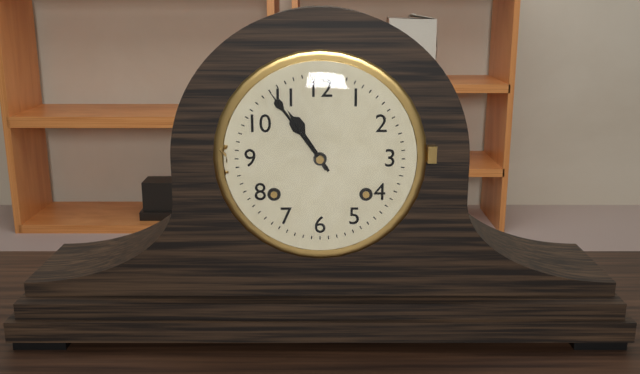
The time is 10:54
